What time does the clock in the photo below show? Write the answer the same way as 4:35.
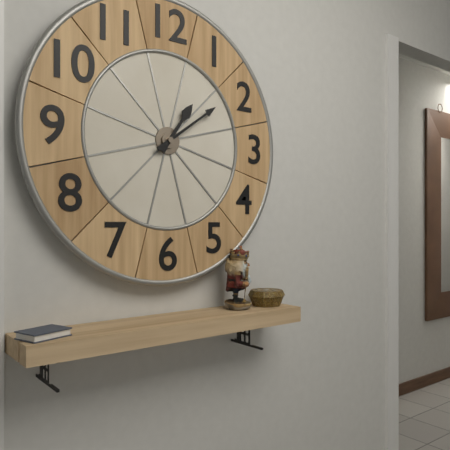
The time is 1:09
